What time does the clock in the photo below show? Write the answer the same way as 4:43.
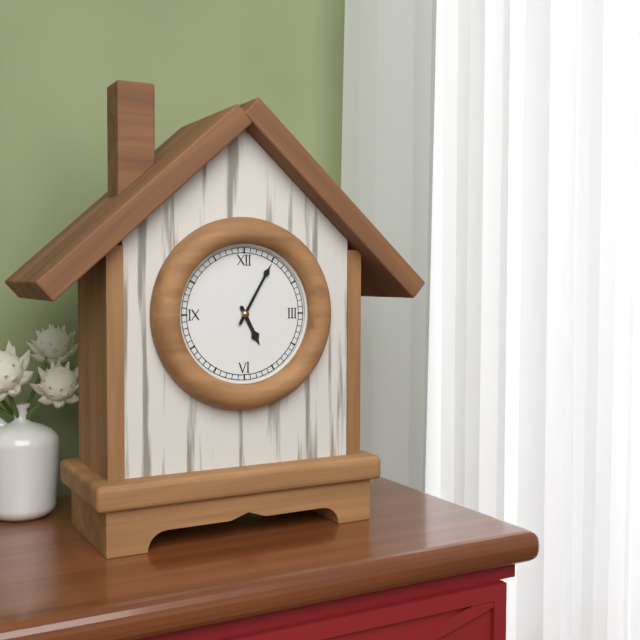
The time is 5:05
